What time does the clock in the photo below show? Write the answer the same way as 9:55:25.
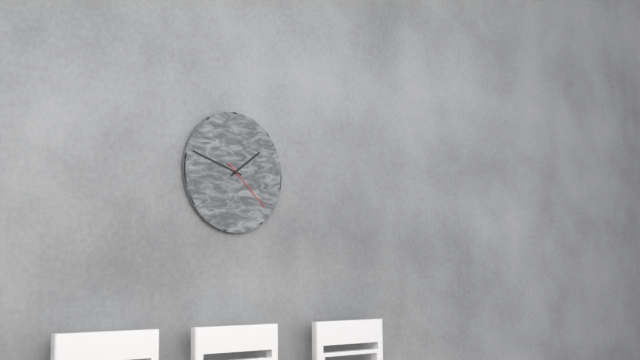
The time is 1:48:22
